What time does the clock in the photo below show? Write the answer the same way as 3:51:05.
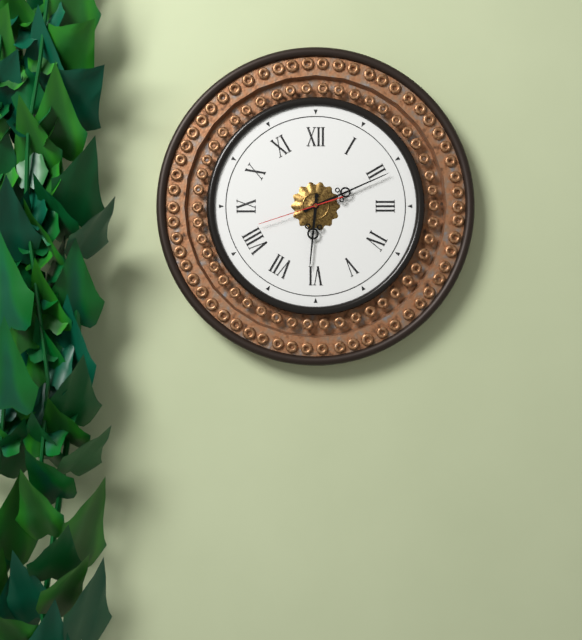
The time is 6:11:42
